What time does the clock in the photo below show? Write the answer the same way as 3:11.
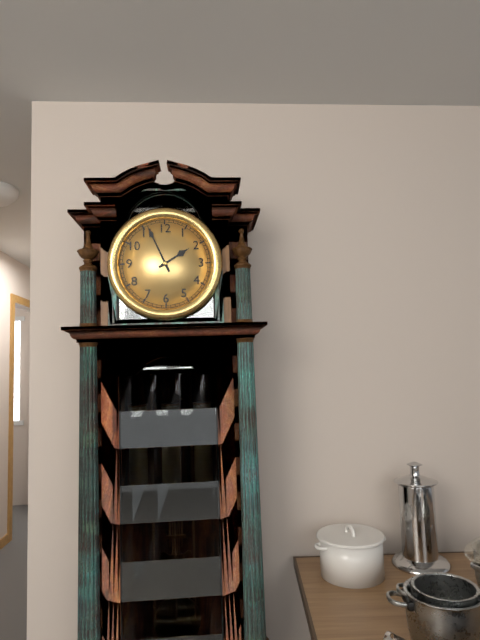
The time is 1:56
